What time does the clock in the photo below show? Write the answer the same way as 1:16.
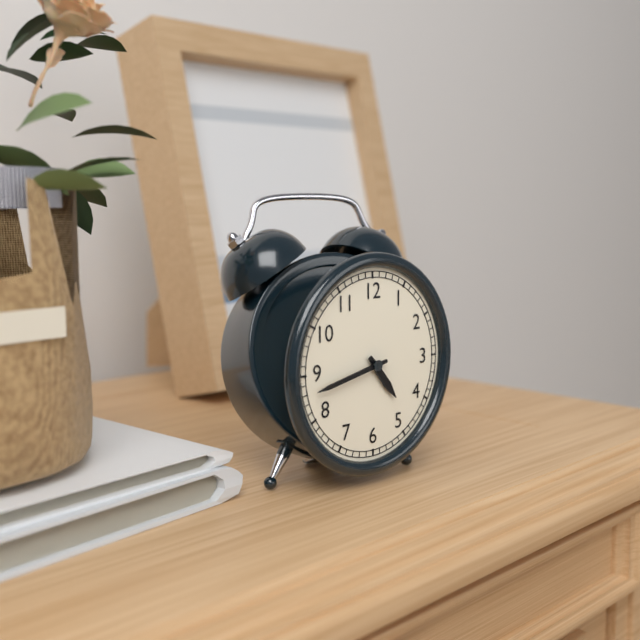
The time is 4:43
